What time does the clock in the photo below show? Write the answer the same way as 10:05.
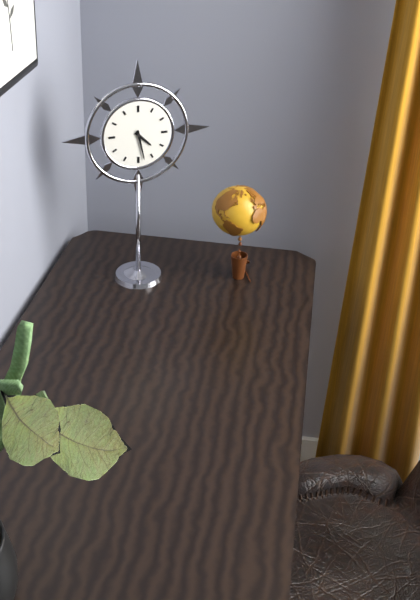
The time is 4:28
